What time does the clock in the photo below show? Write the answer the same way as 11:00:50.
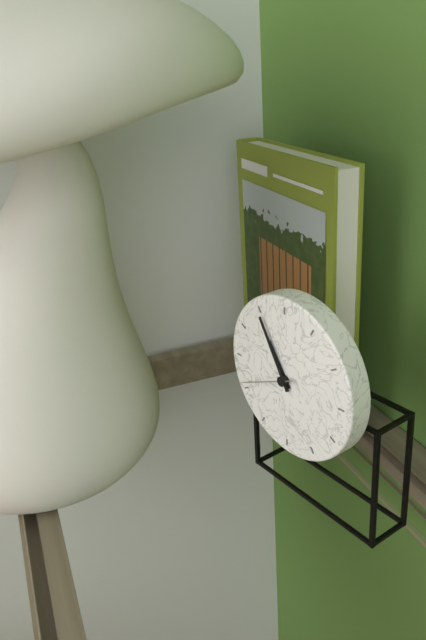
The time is 10:55:41
